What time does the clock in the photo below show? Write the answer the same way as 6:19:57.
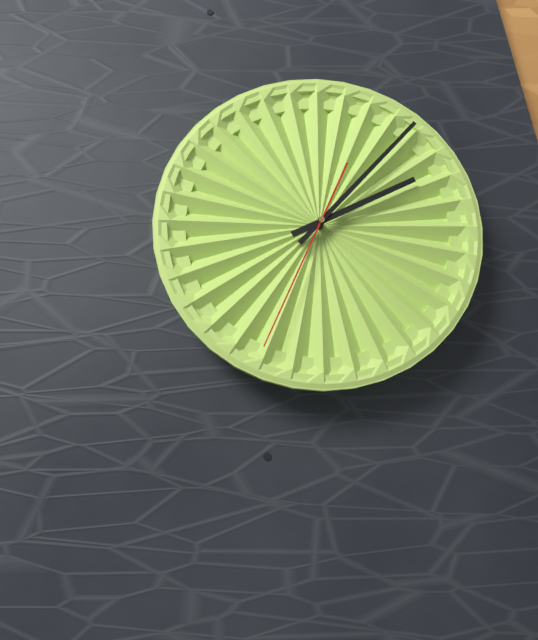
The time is 2:07:34
